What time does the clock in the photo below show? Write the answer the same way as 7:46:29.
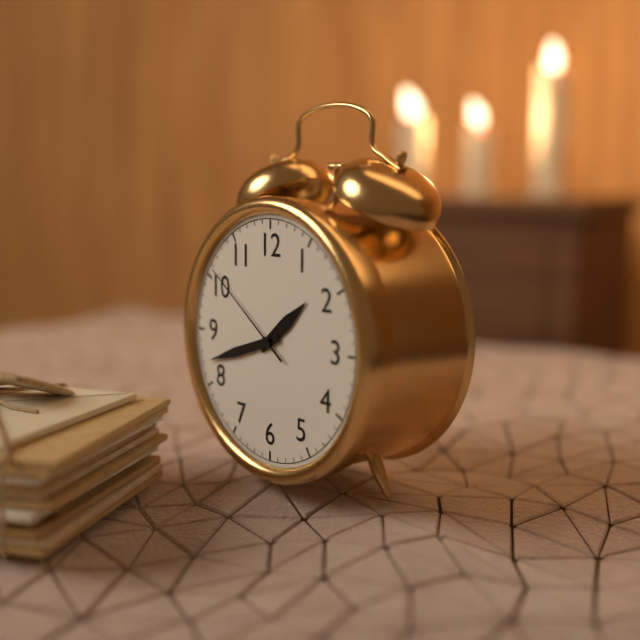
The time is 1:42:51
